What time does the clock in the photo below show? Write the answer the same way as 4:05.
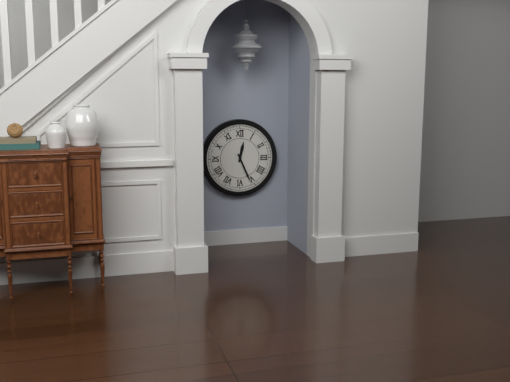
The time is 12:26
